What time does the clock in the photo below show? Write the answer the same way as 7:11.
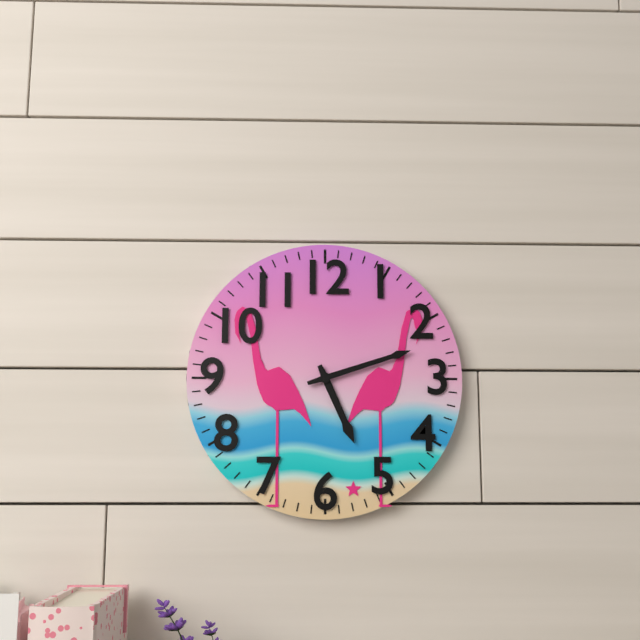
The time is 5:12
